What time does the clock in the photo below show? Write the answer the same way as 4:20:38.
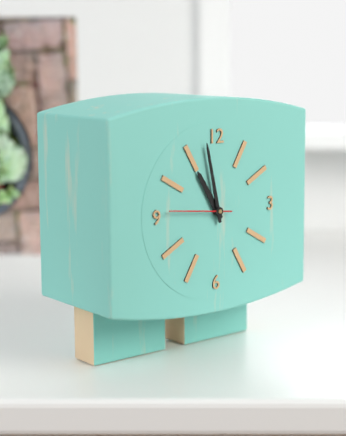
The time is 10:58:46
